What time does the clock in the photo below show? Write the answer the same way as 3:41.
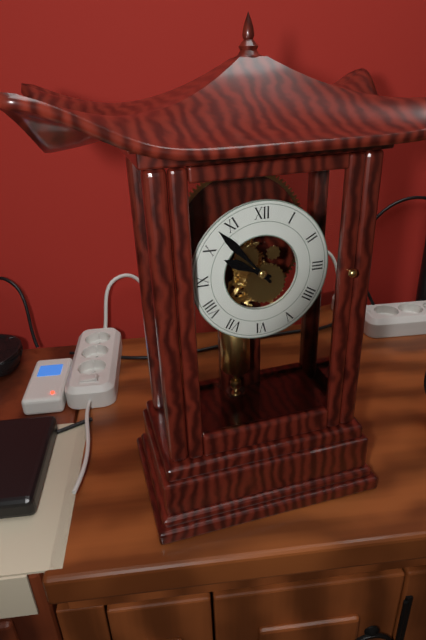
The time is 9:53
